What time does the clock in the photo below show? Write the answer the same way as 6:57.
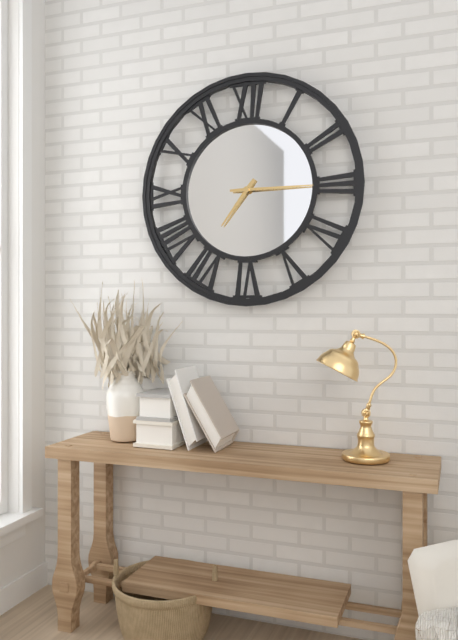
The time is 7:15
